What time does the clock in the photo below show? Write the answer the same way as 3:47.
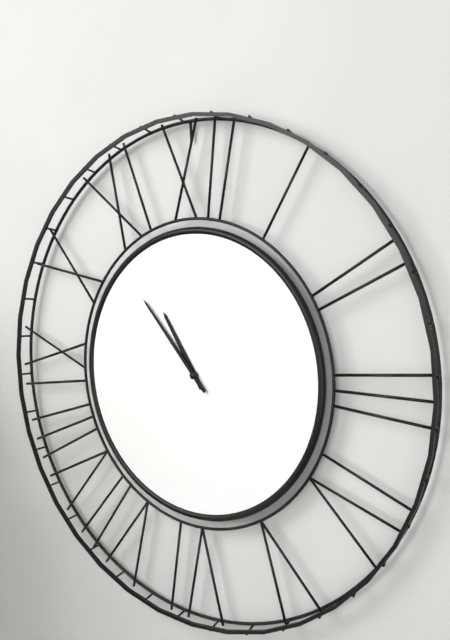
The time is 10:53
